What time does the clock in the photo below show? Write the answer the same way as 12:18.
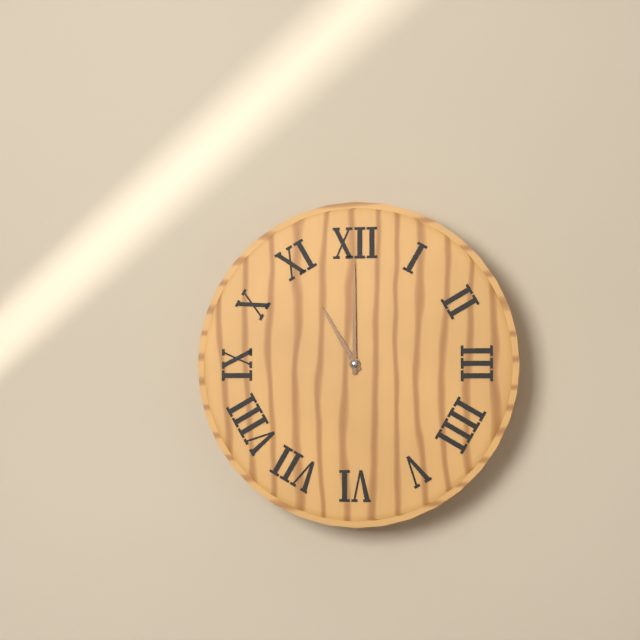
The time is 11:00
